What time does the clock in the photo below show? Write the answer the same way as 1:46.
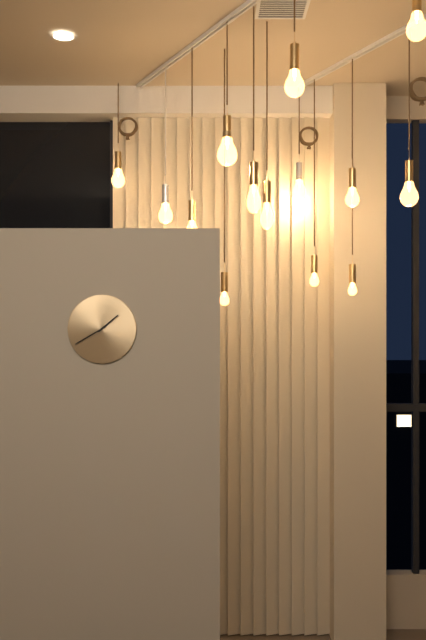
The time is 1:40
